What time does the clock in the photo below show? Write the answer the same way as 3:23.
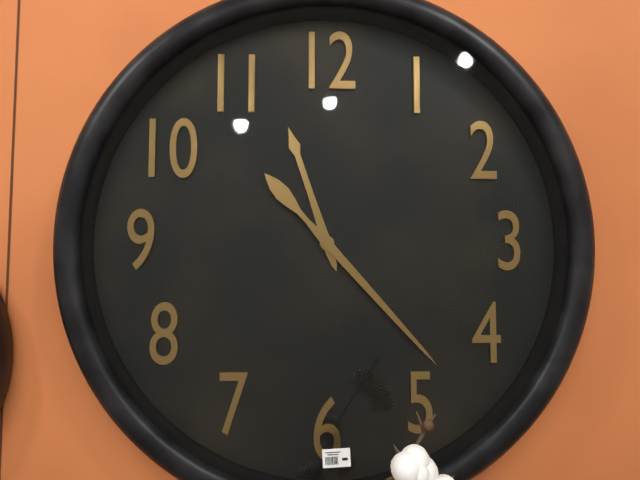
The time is 11:23
